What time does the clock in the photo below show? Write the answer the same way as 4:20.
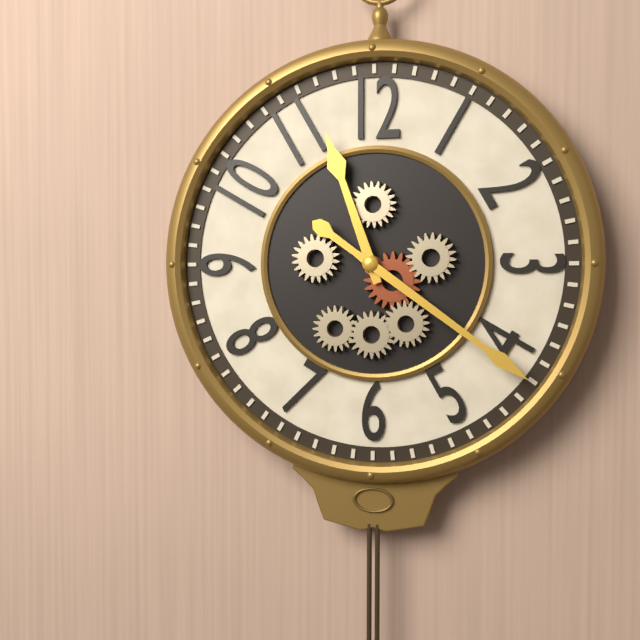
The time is 11:21
